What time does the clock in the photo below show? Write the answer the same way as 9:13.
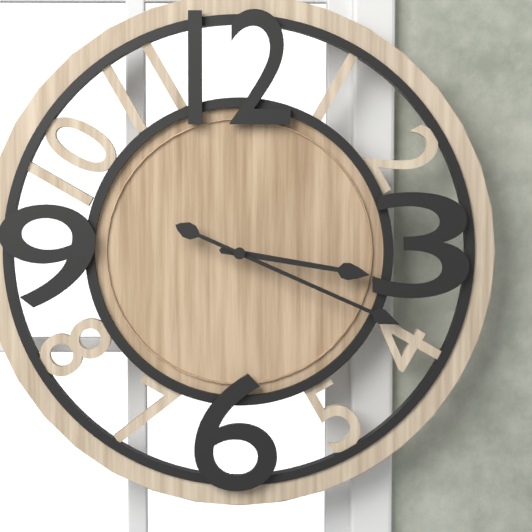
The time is 3:19
